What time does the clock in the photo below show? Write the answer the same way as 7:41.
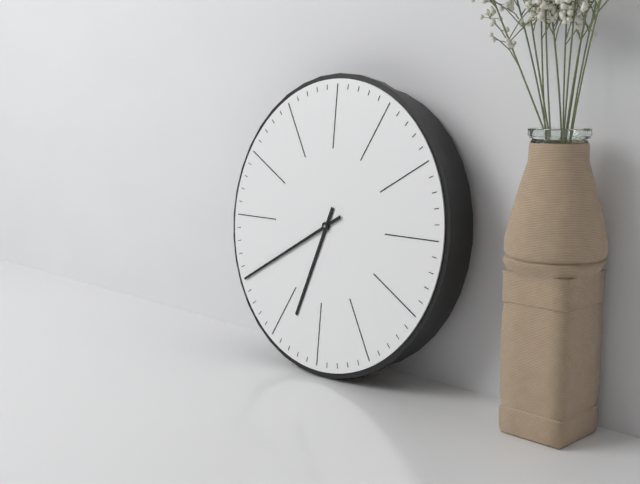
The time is 6:40
